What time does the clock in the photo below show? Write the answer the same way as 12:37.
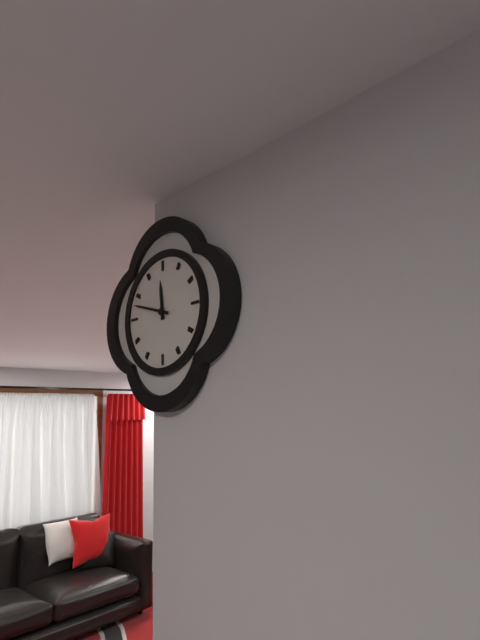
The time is 11:48
